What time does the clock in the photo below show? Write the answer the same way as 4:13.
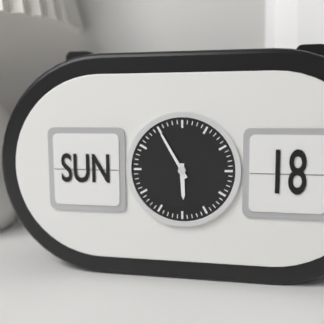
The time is 5:55
